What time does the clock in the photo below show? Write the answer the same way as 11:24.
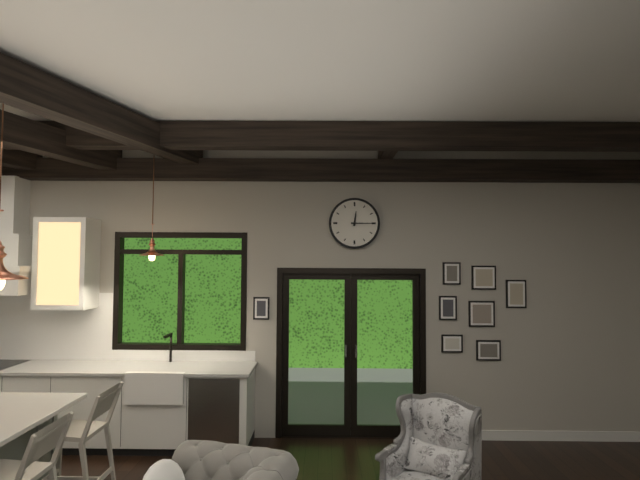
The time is 12:15
